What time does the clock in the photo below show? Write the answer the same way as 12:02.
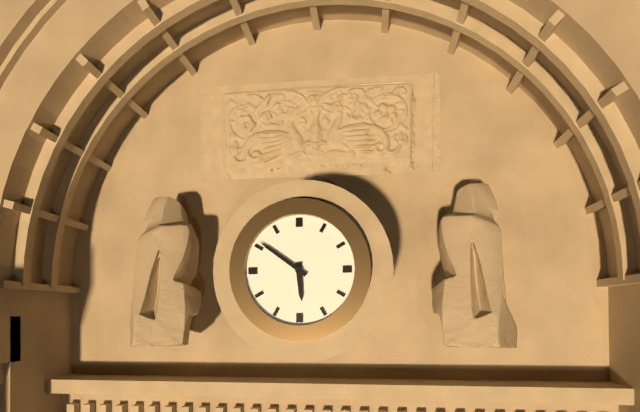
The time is 5:51
